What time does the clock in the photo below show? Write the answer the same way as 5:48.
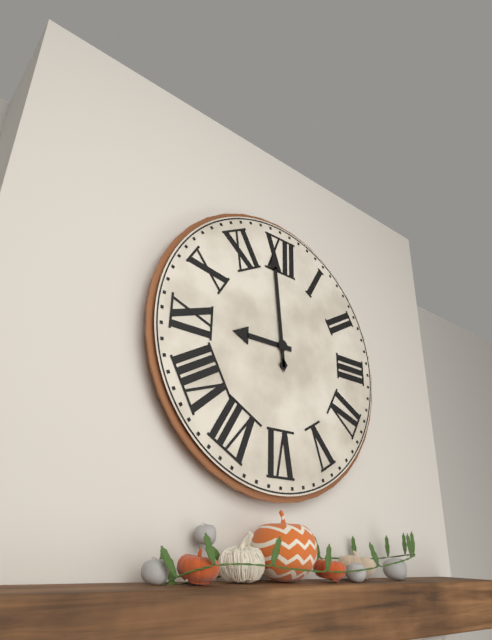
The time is 8:59
